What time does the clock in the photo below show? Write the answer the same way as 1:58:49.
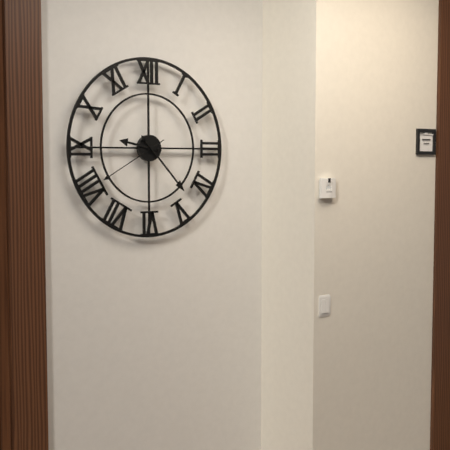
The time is 9:23:40
